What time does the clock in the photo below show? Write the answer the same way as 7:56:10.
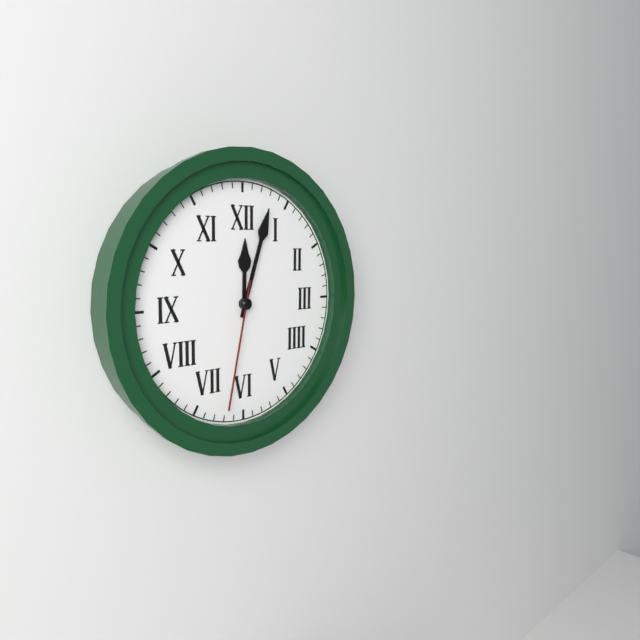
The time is 12:03:32
